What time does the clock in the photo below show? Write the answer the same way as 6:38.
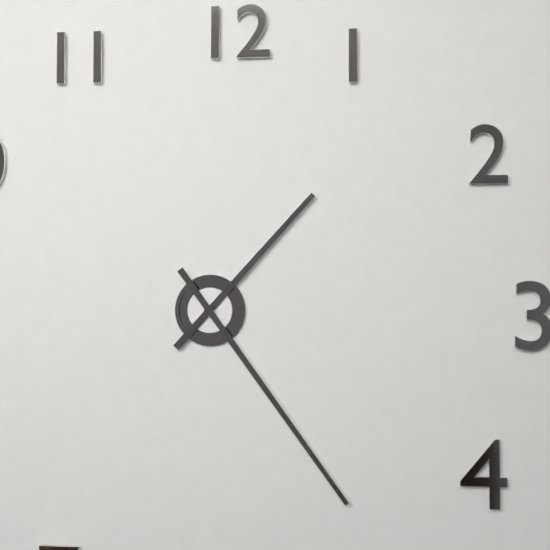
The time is 1:24
